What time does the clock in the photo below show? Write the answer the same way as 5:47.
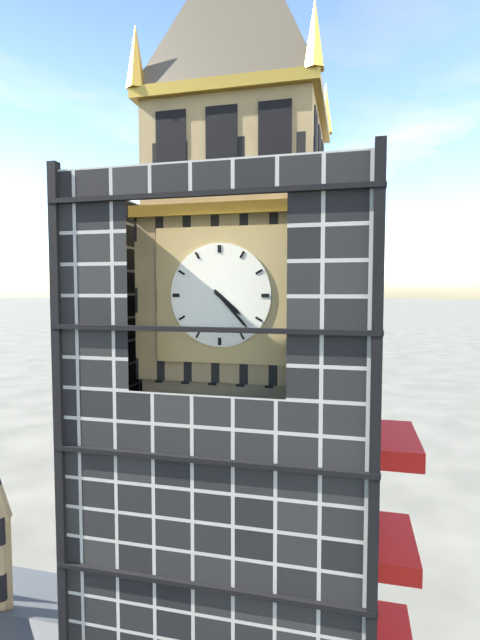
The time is 4:23
